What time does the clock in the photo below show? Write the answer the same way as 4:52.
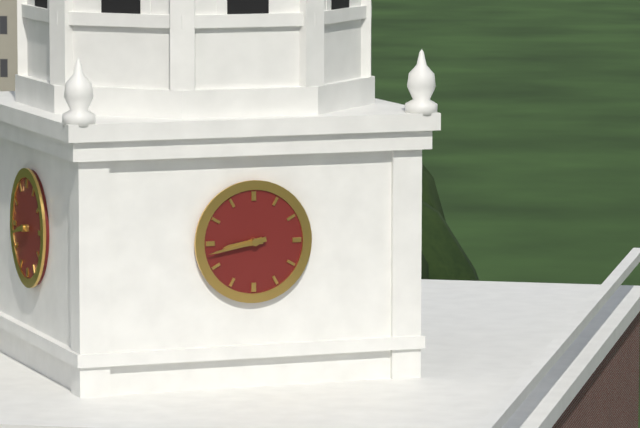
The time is 8:43
